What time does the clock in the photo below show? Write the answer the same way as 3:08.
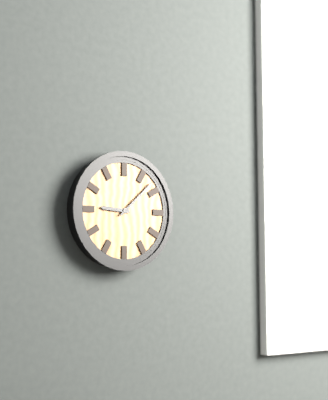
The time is 9:08
